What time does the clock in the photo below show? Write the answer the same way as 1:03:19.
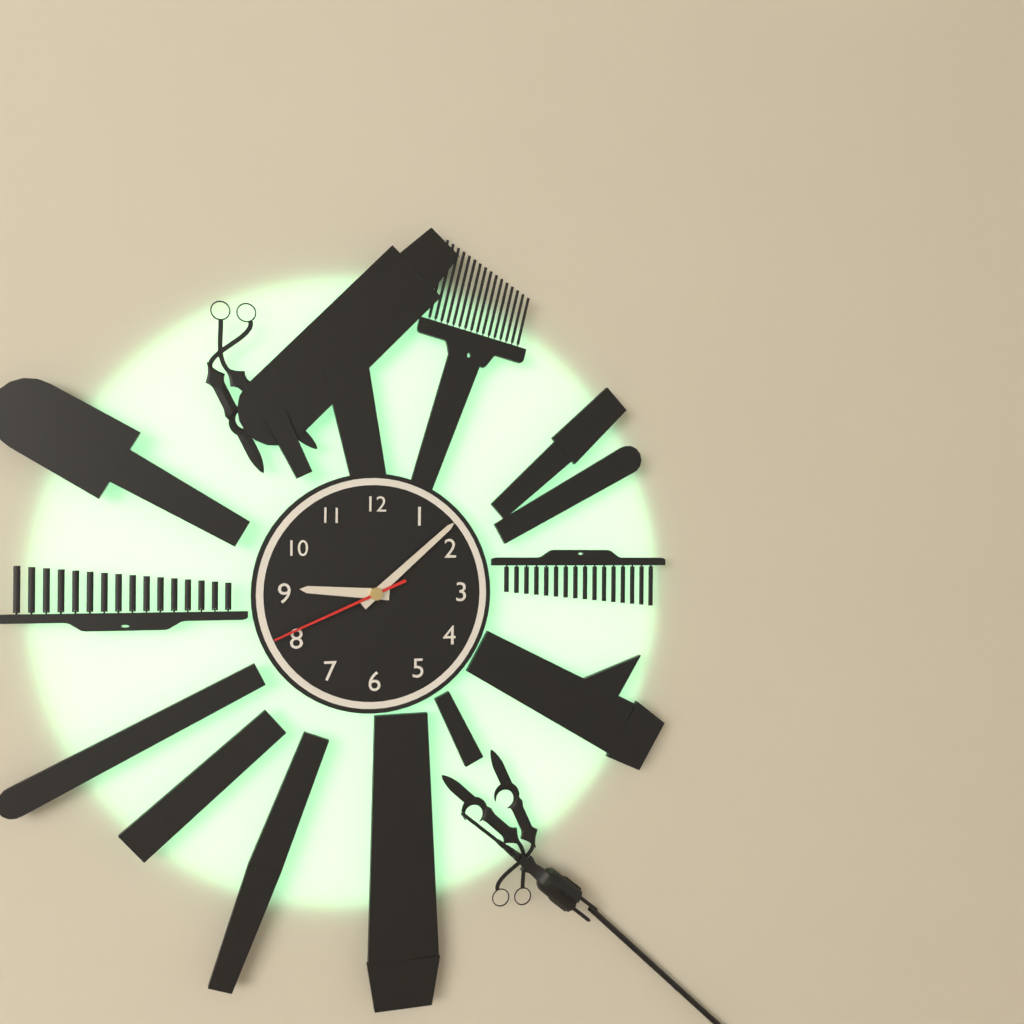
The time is 9:08:41
